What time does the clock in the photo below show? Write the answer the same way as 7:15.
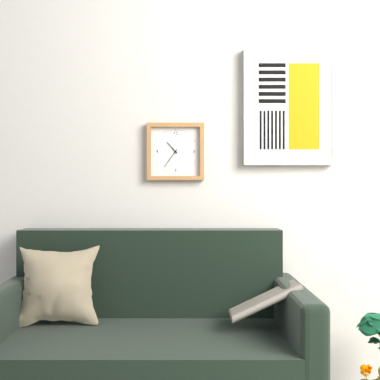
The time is 10:36
